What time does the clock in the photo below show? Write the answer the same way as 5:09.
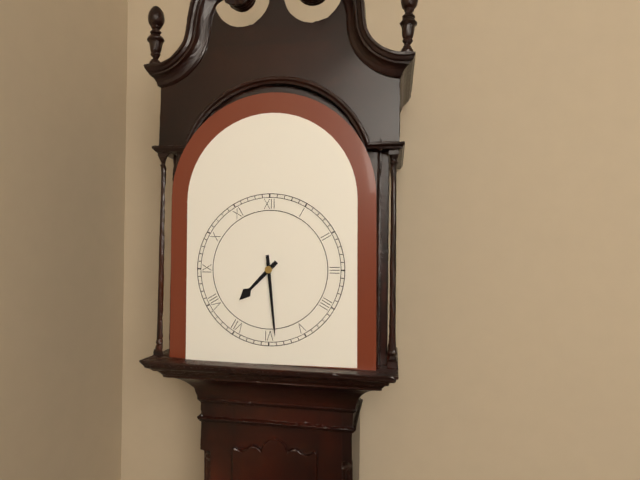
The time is 7:29
